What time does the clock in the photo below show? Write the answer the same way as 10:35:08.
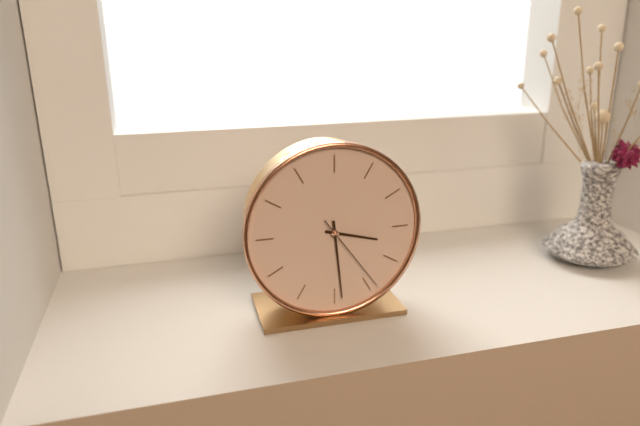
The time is 3:29:24
